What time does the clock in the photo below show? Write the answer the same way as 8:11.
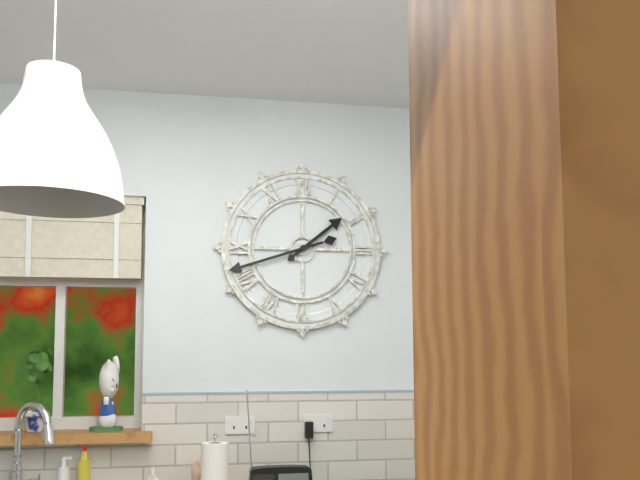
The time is 1:42
